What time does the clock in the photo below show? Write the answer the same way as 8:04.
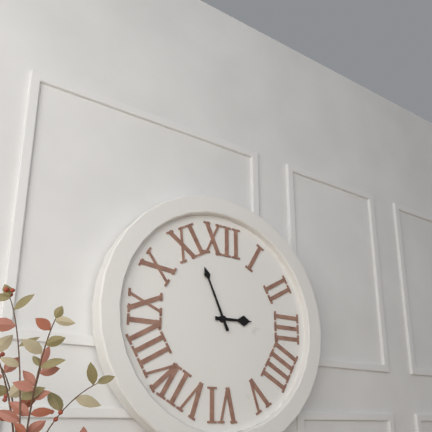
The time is 2:56
